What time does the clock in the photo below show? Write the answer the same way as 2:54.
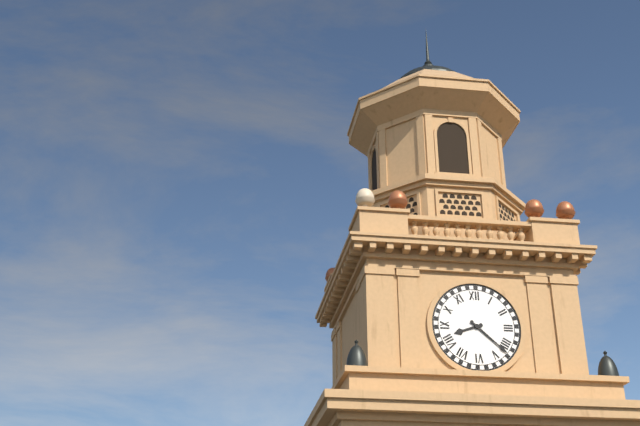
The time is 8:22
